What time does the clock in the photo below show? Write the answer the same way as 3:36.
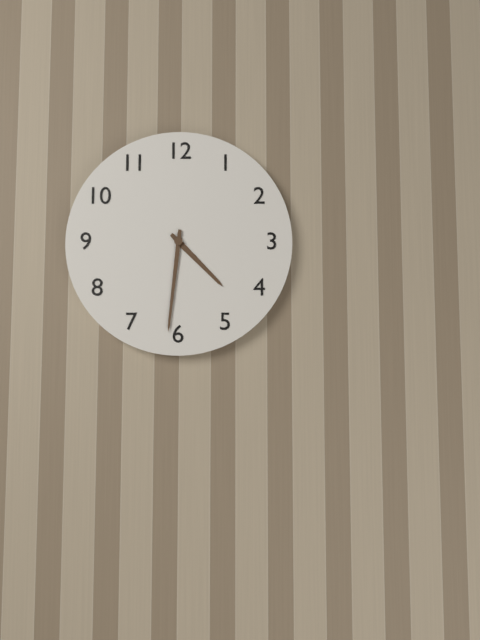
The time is 4:31
